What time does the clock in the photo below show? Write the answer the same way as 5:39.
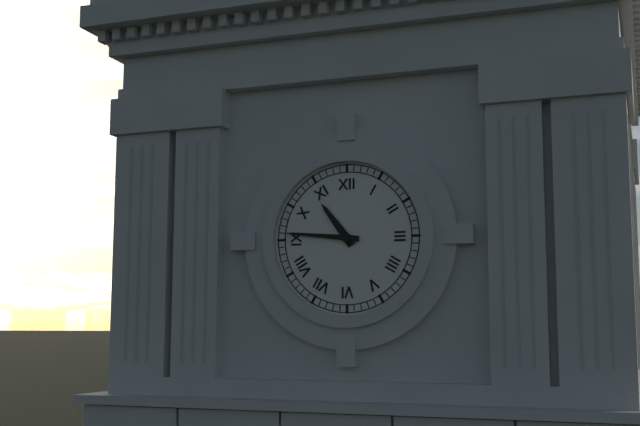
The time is 10:46
